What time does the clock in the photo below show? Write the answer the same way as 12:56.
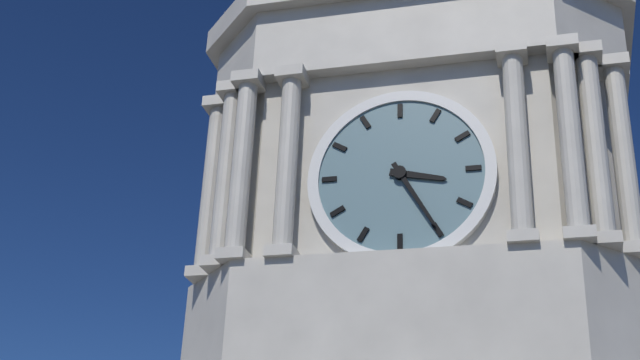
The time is 3:25
